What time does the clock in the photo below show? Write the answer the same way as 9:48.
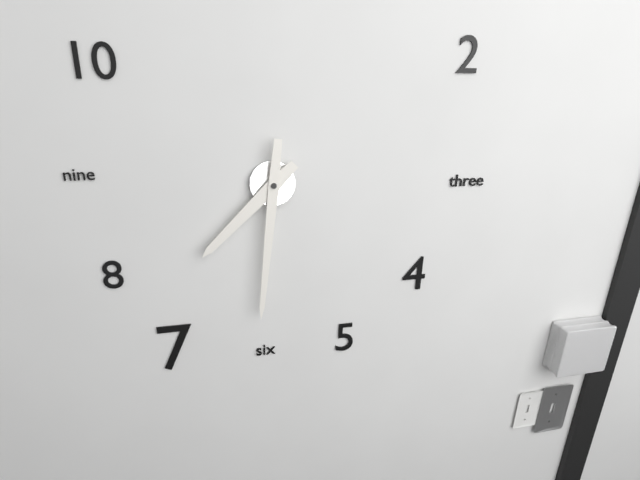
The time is 7:31
